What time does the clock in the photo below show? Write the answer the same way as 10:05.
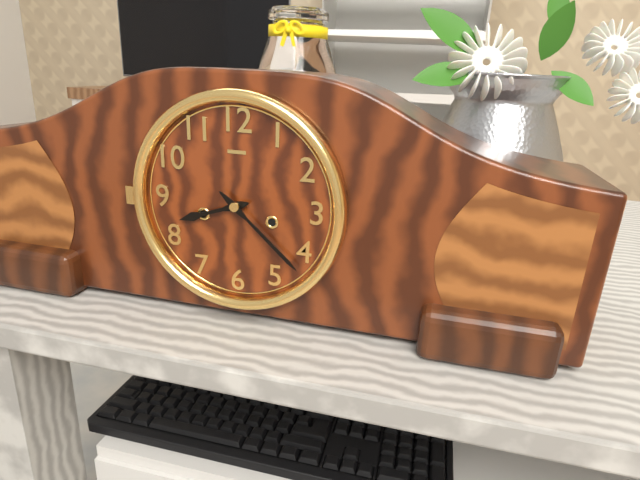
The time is 8:22
